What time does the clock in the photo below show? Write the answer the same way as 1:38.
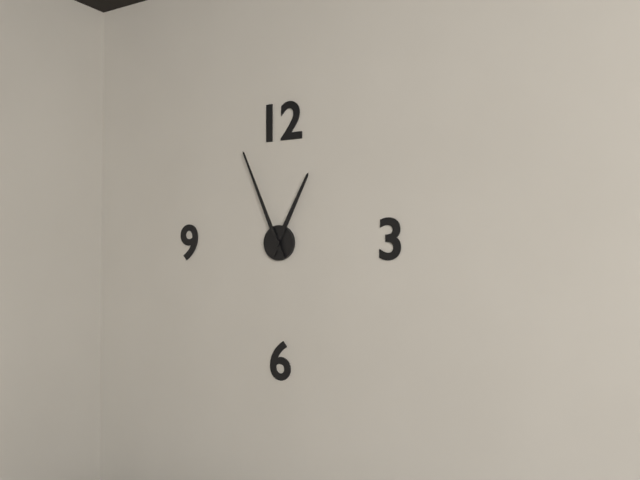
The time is 12:56
